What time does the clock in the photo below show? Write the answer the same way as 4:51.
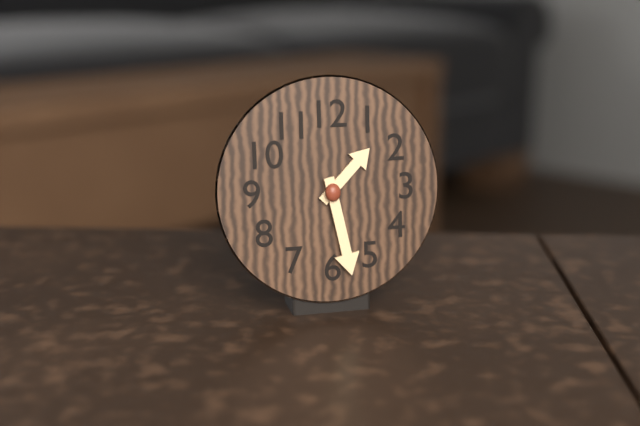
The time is 1:28
